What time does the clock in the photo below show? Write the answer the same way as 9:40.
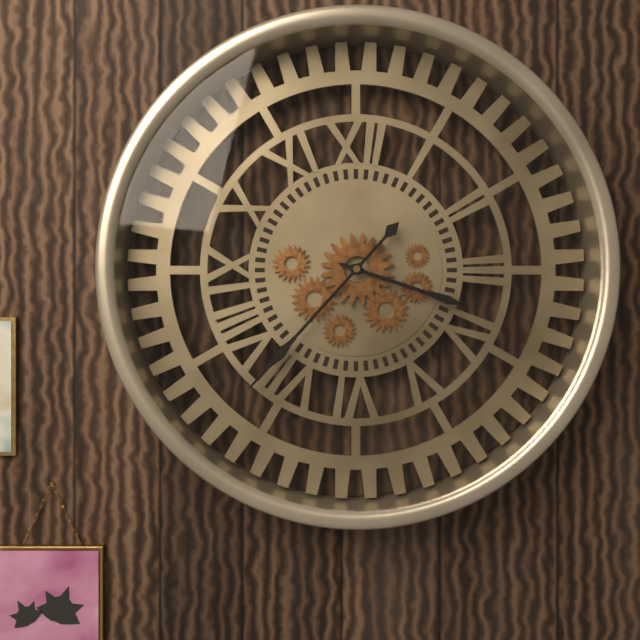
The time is 3:37
